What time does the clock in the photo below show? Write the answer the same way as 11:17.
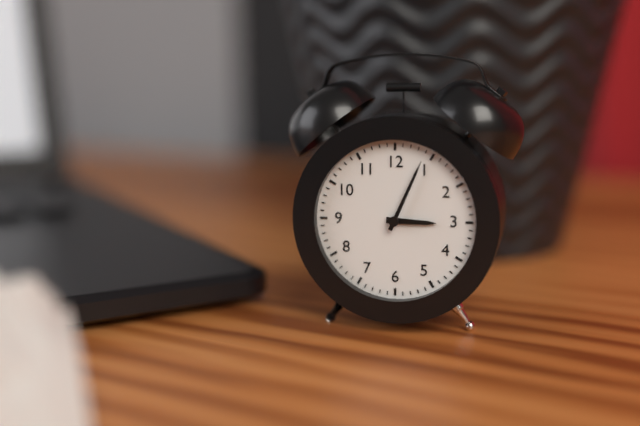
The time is 3:04
